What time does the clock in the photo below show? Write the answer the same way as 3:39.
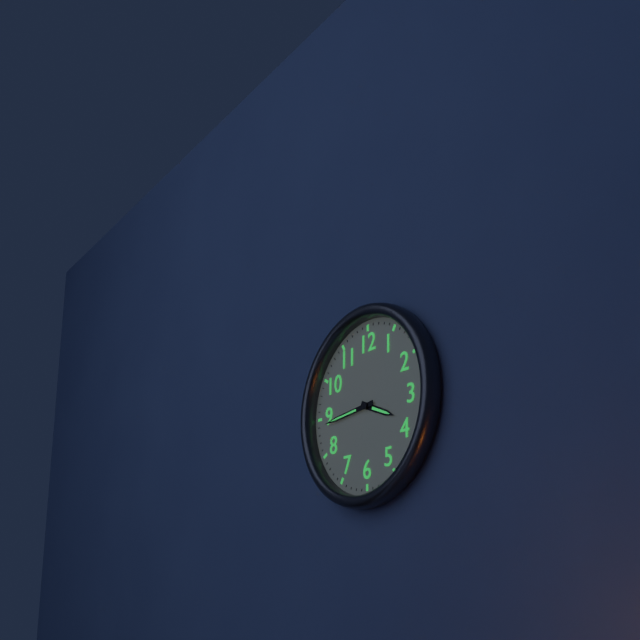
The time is 3:44
